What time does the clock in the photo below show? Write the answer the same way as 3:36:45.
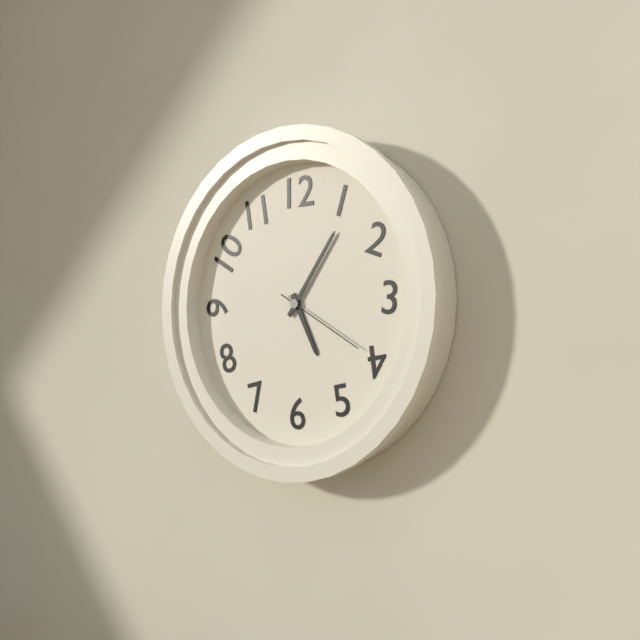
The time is 5:06:20
